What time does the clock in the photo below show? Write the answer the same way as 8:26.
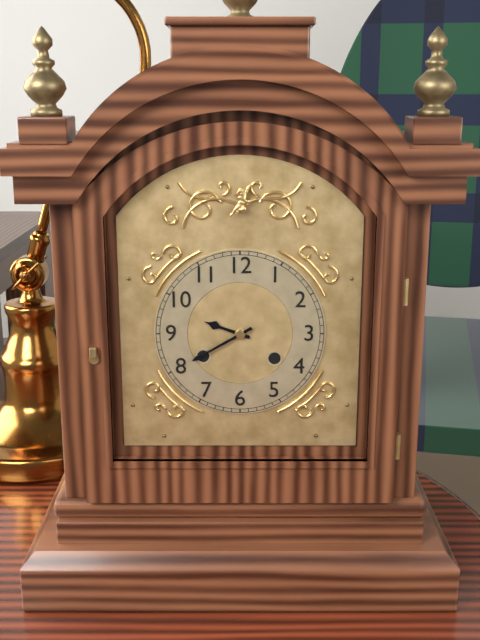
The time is 9:40
